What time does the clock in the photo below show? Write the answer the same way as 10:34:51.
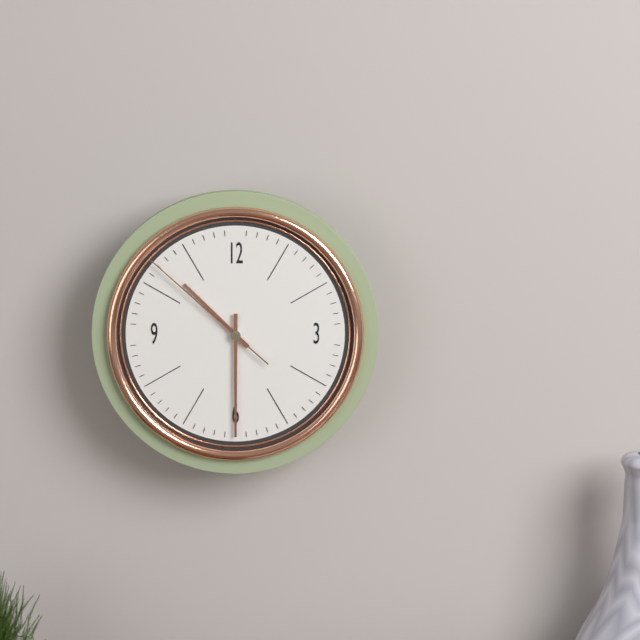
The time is 10:30:52
